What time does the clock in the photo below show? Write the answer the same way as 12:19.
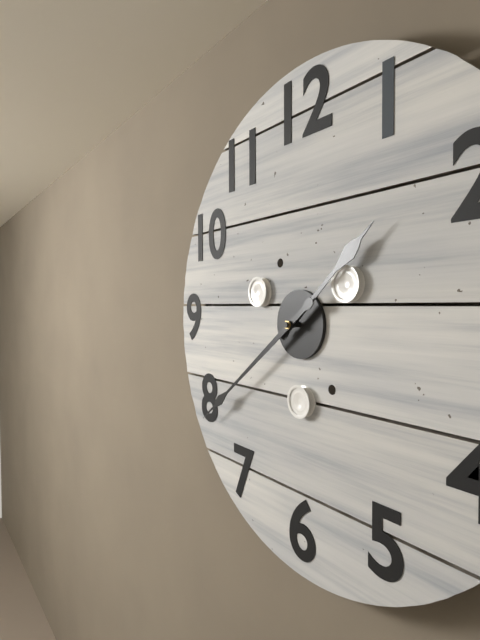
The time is 1:39
